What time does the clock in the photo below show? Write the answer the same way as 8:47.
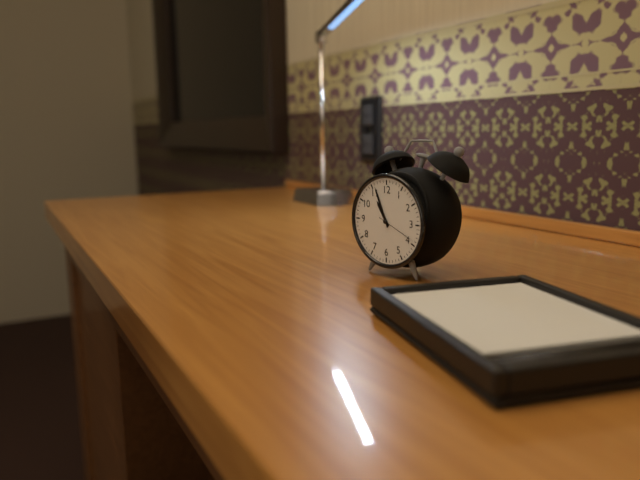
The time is 10:56
